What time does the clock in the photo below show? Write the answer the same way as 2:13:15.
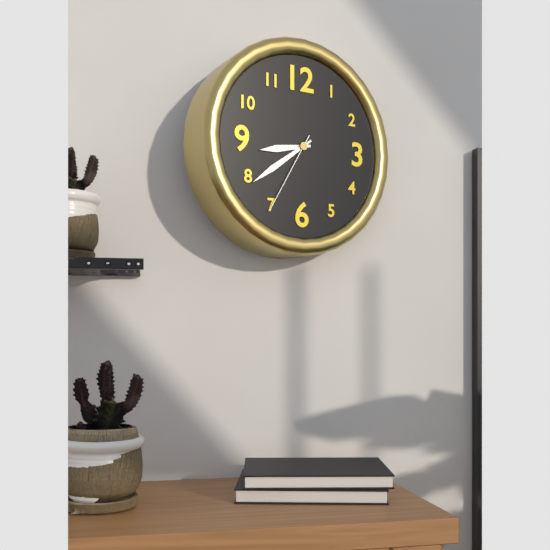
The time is 8:39:35
